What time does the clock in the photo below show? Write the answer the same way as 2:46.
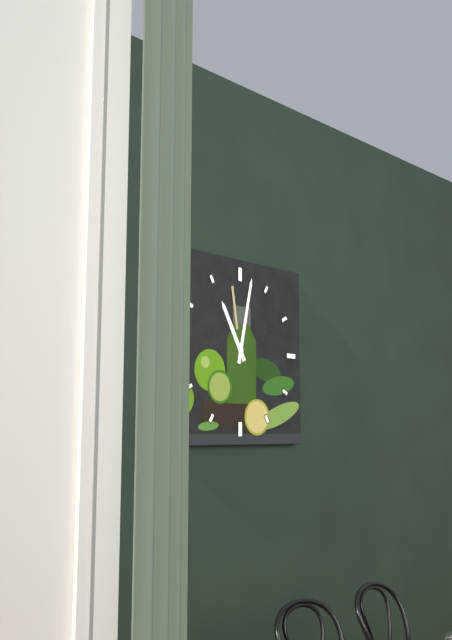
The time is 11:02
